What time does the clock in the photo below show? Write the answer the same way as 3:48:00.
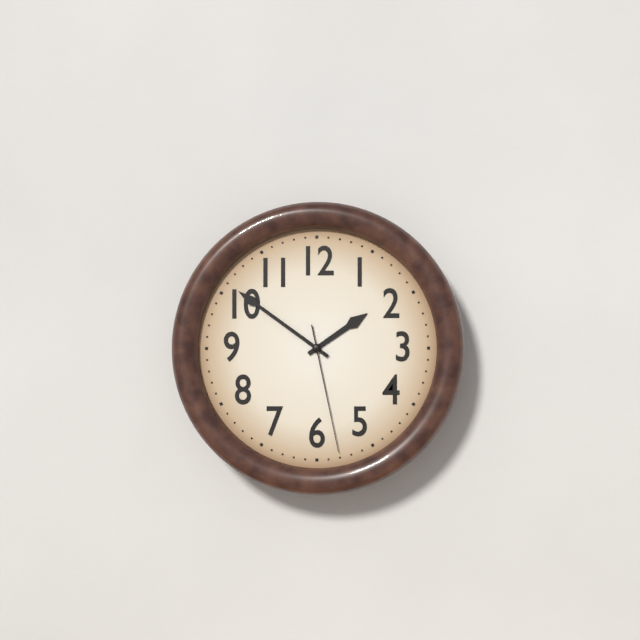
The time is 1:51:28
